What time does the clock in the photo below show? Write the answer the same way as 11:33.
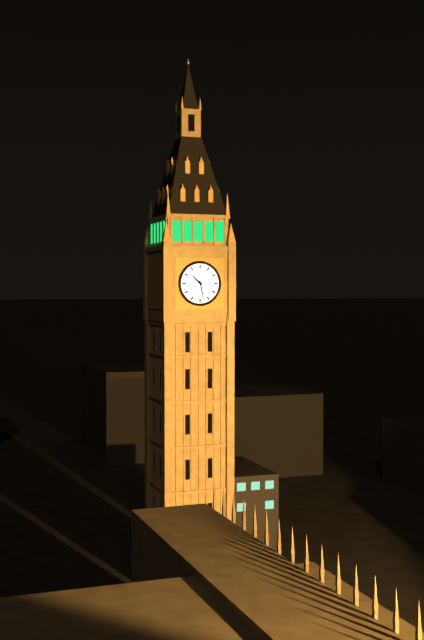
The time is 10:28
